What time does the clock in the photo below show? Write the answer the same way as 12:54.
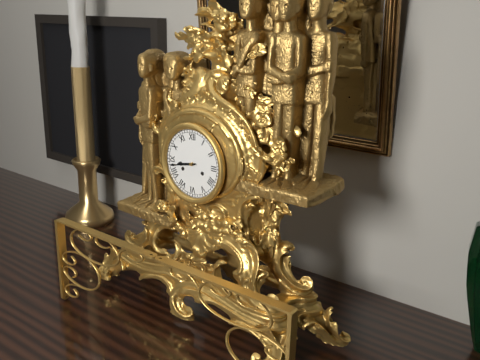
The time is 8:43
